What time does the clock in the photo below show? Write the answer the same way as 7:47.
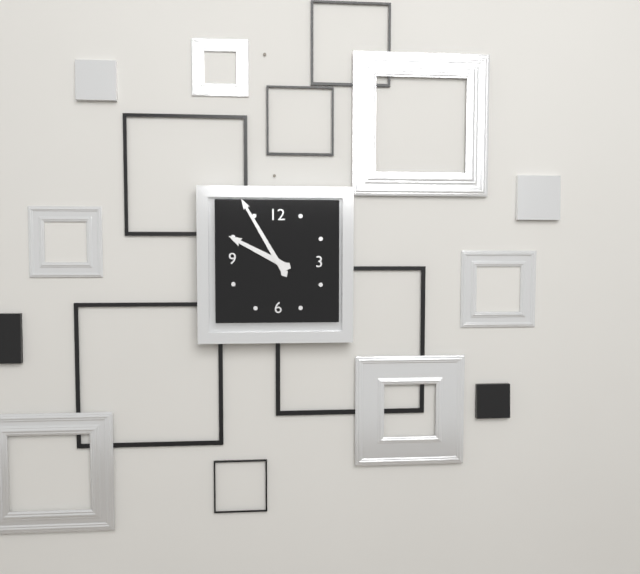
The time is 9:55
